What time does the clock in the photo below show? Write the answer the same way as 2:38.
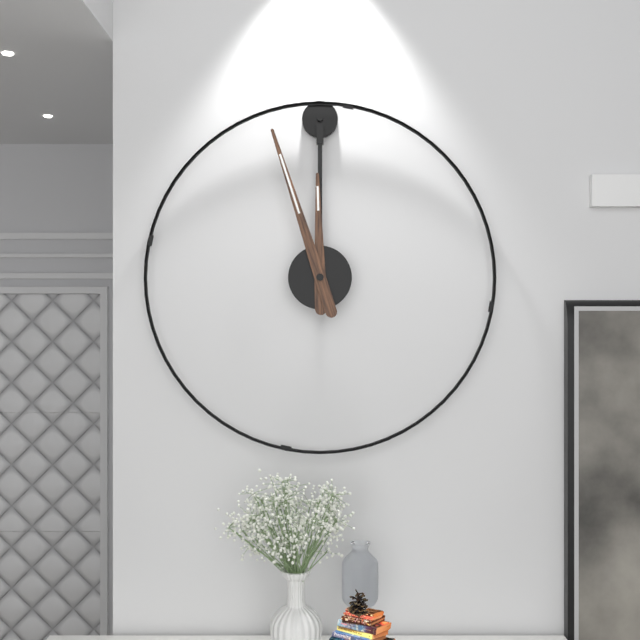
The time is 11:57
